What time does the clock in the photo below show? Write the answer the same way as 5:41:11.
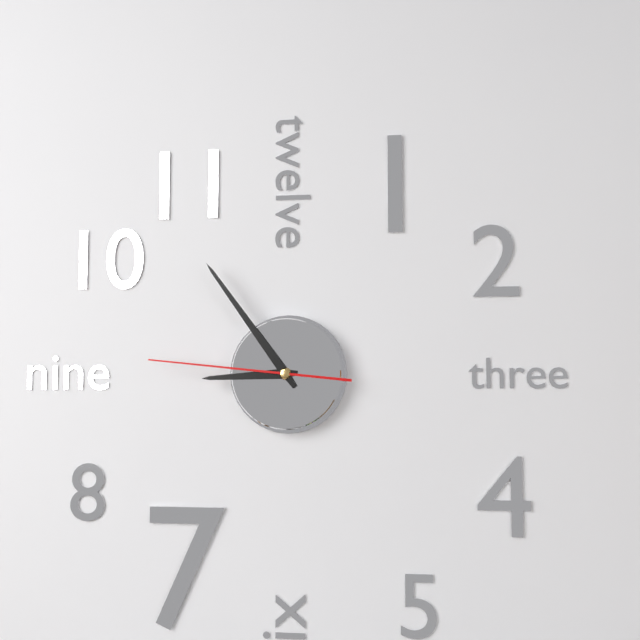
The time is 8:54:46
